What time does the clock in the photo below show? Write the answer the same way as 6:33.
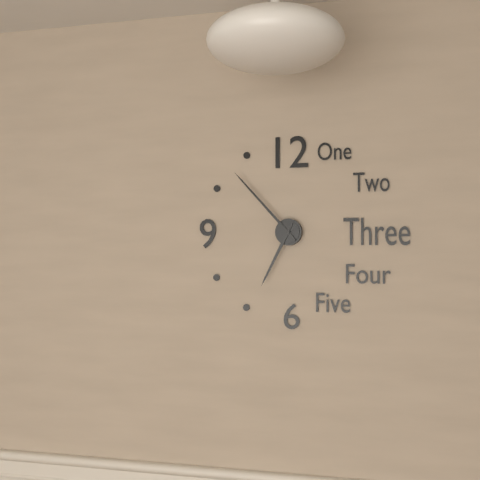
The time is 6:53
